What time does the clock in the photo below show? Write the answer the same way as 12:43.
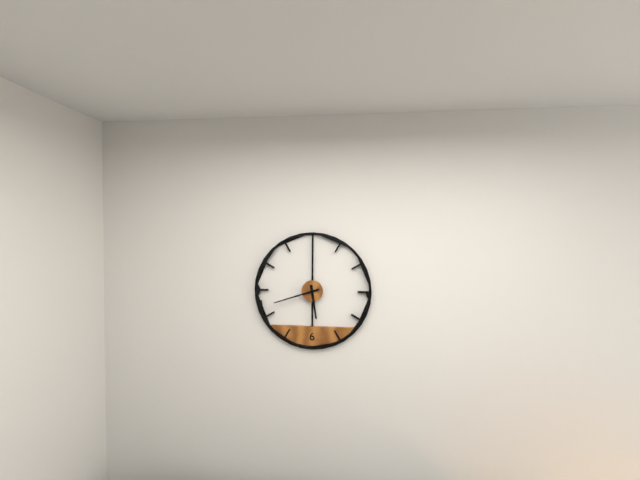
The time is 5:42
